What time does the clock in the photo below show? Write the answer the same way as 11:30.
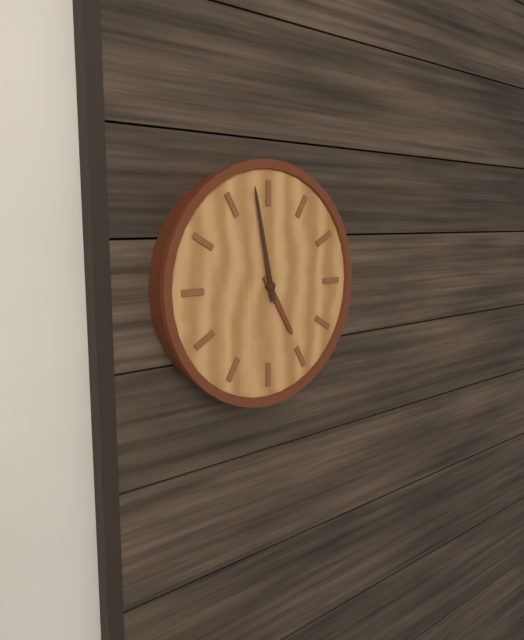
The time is 4:58
